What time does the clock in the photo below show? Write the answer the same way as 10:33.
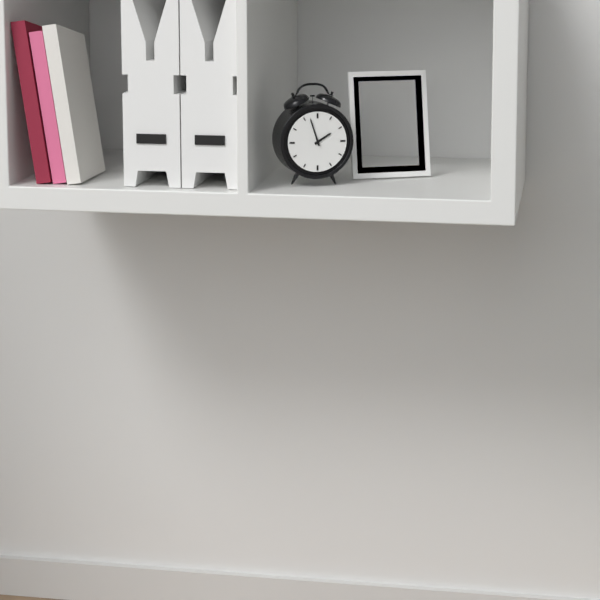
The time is 1:57
